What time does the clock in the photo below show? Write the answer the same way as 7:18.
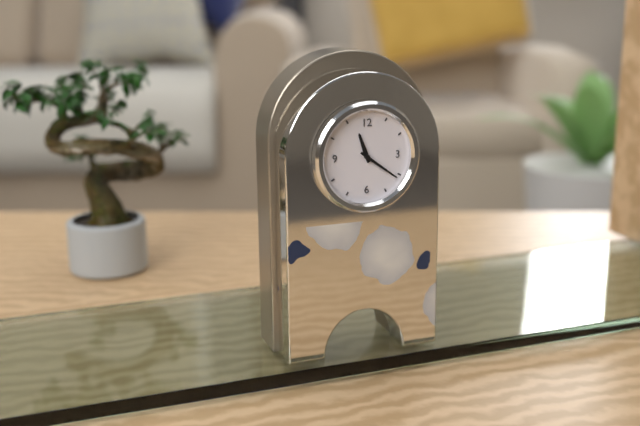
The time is 11:21
